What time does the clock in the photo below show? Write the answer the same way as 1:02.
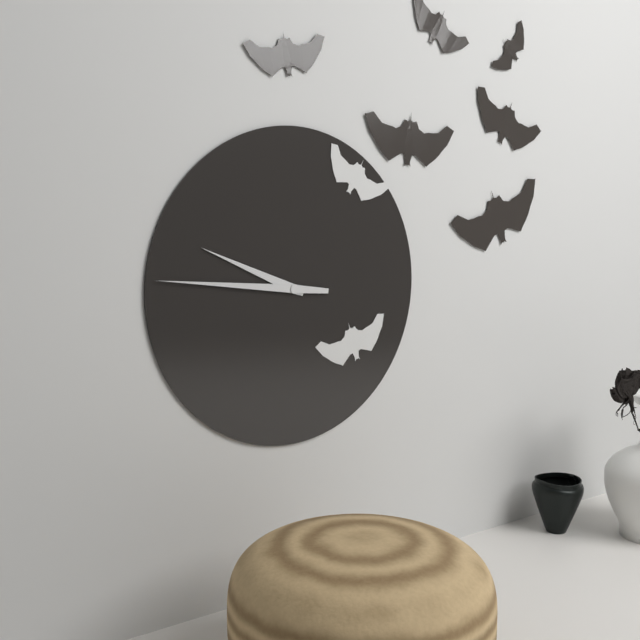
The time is 9:46
